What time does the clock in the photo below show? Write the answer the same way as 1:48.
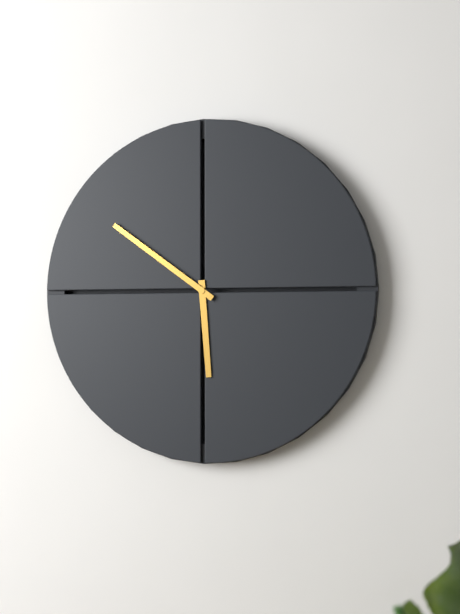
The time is 5:51
